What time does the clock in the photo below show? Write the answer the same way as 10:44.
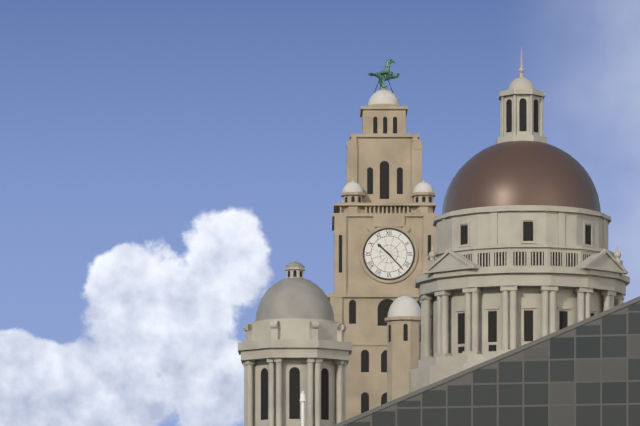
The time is 10:23
